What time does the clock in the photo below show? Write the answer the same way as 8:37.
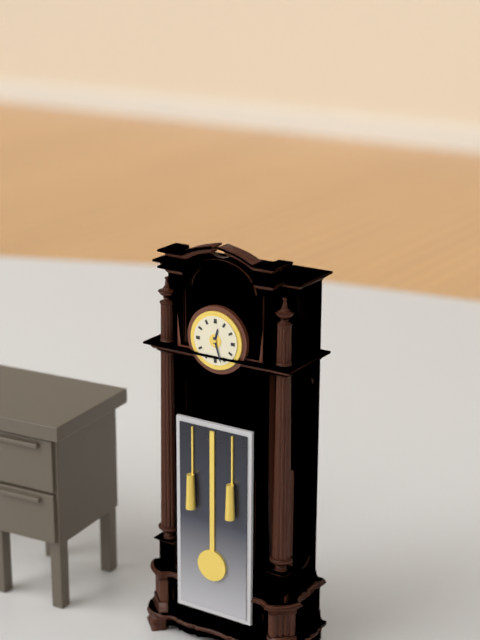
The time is 12:27
